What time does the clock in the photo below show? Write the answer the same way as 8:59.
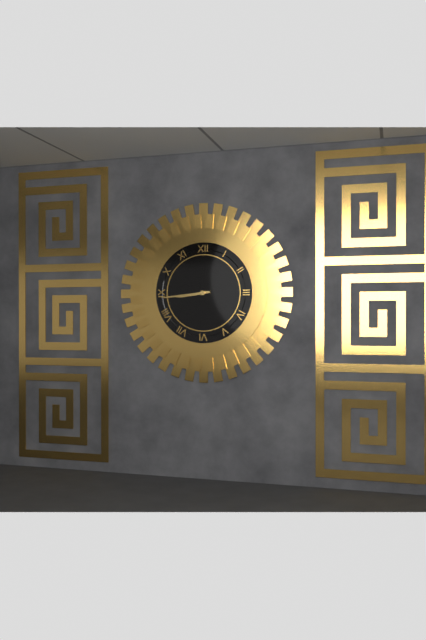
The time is 8:44
